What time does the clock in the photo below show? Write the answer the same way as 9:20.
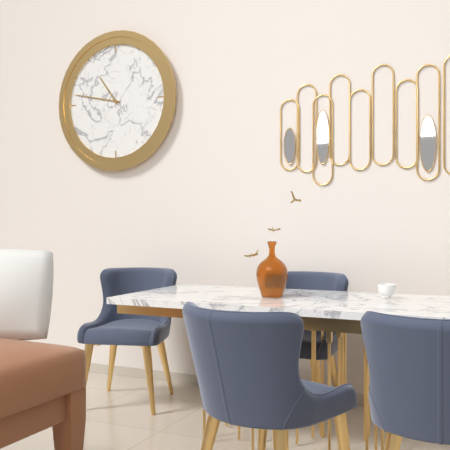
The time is 10:47
